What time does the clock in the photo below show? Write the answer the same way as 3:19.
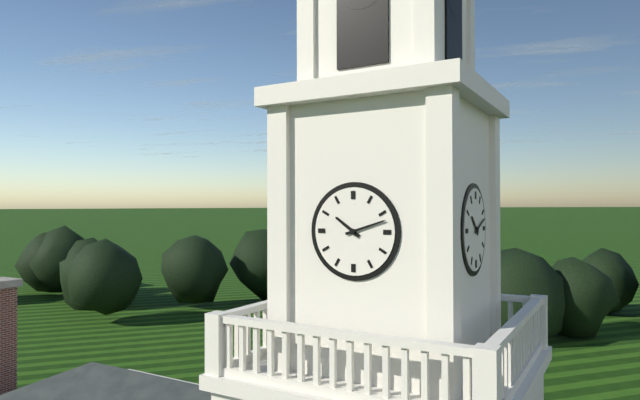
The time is 10:12
